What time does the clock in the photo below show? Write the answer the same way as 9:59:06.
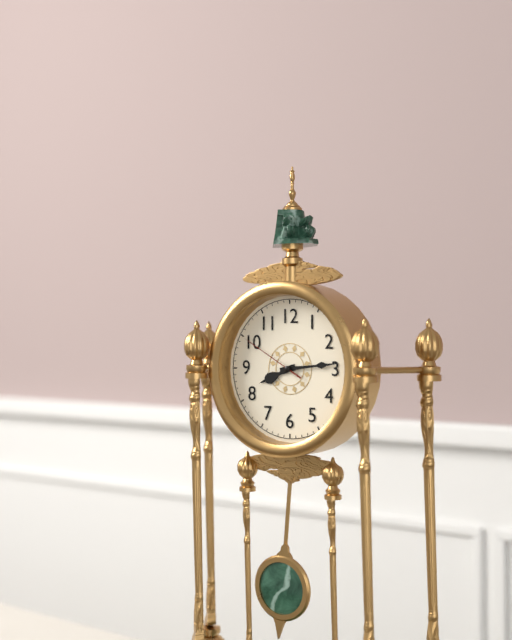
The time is 8:14:50
